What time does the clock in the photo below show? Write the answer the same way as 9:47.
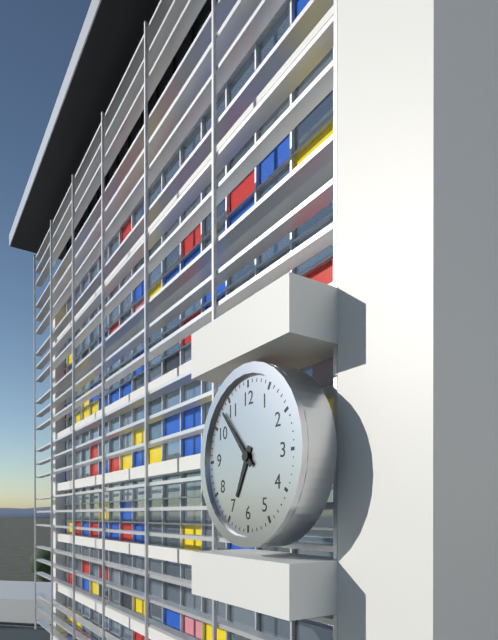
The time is 6:53
